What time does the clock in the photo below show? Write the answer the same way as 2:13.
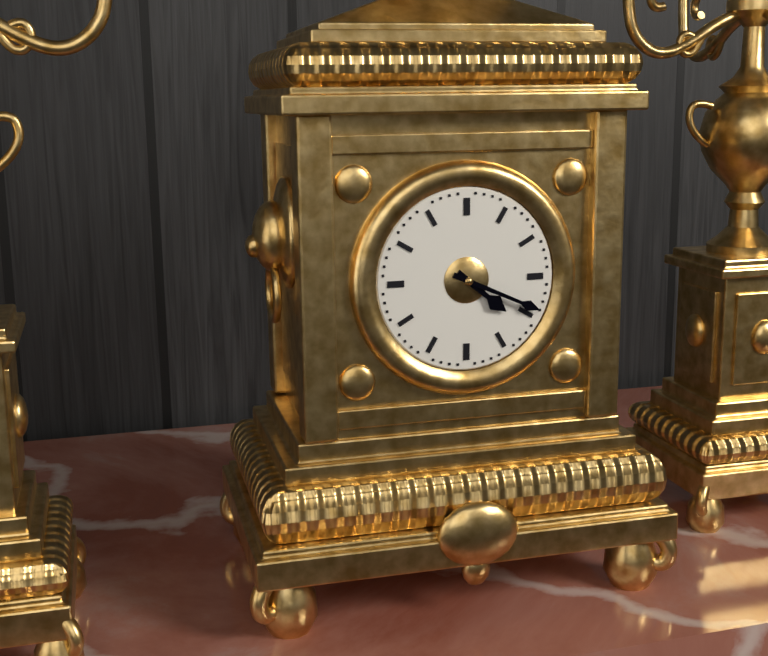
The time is 4:19
